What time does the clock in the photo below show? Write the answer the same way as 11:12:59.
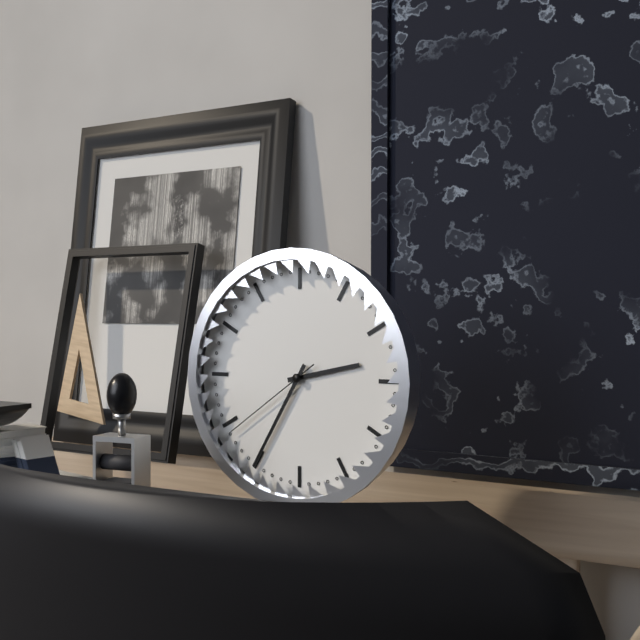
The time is 2:35:39
